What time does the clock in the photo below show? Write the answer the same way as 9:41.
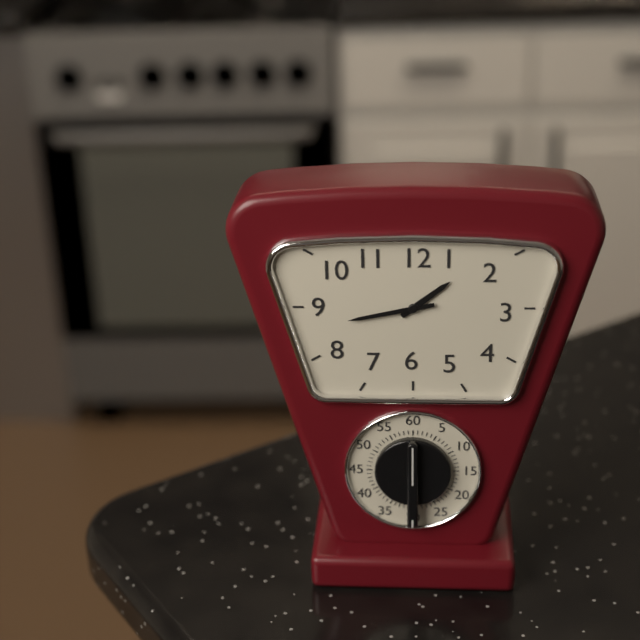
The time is 1:43
